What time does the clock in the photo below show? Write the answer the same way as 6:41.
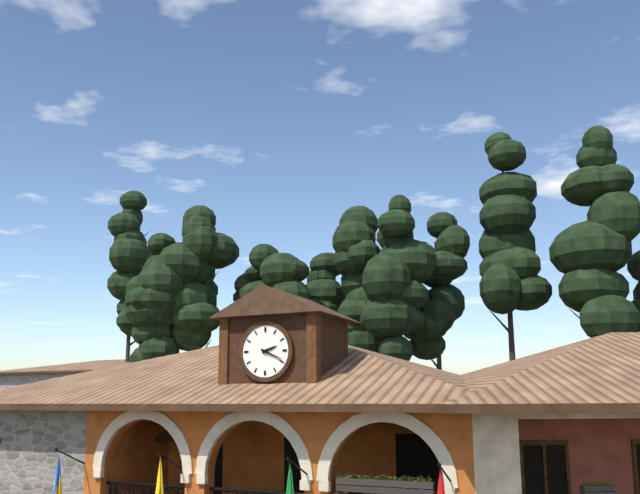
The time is 2:19
